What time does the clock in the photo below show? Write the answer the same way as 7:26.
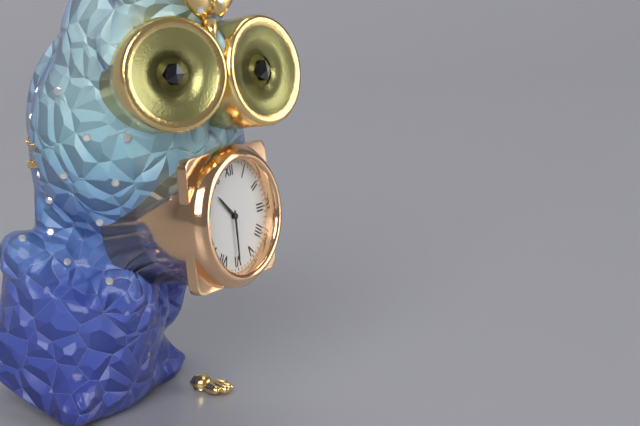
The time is 10:30
